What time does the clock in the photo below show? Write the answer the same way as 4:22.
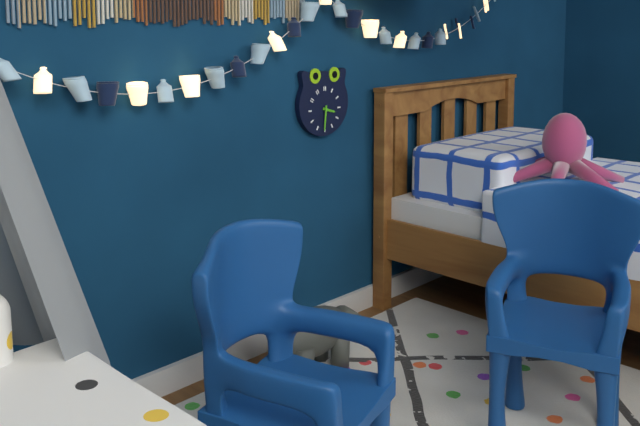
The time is 3:31
